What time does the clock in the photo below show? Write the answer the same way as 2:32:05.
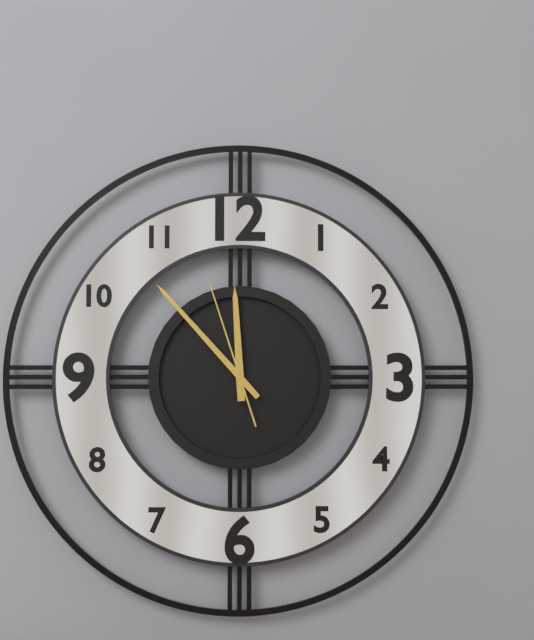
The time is 11:53:57
